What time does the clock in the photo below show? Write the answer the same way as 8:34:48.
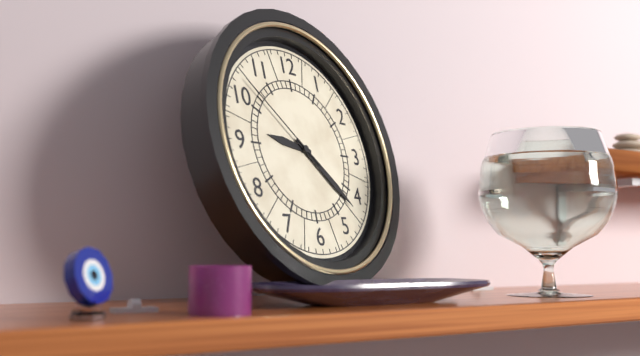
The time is 9:22:52
